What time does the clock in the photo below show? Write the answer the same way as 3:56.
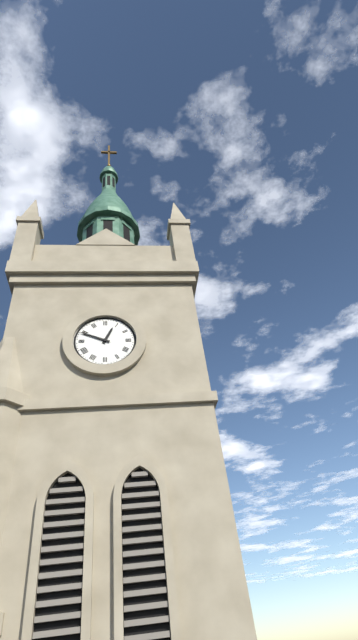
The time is 12:49
